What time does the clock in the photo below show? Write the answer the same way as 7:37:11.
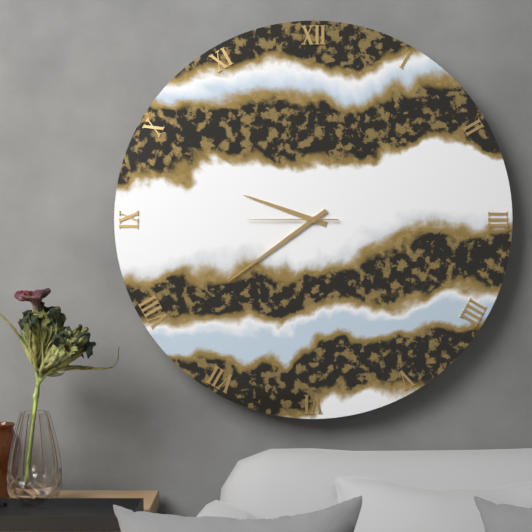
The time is 9:39:45
